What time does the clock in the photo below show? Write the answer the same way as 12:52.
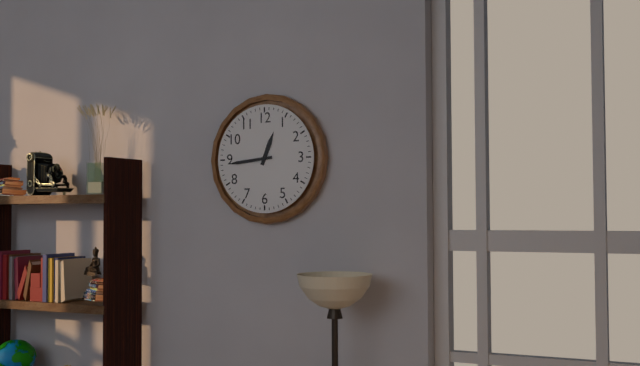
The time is 12:44
